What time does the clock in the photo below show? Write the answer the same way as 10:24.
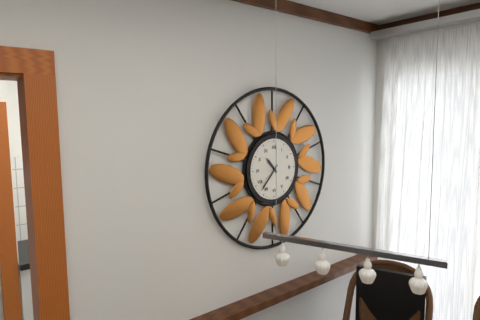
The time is 10:37
